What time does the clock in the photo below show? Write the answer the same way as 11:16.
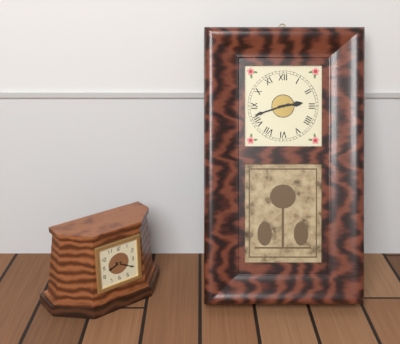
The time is 2:42
